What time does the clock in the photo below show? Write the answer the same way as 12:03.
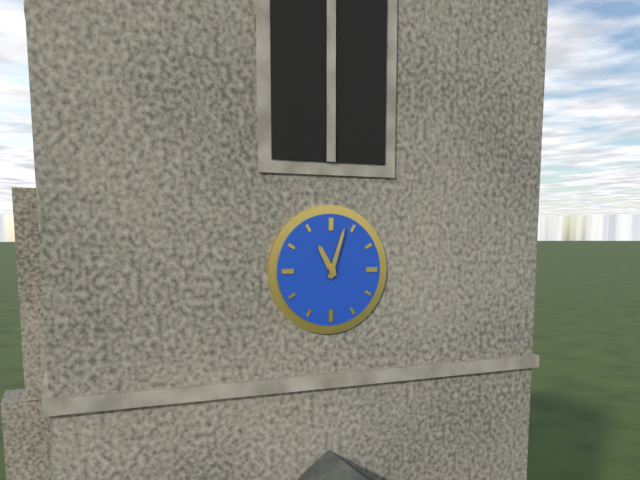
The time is 11:03
